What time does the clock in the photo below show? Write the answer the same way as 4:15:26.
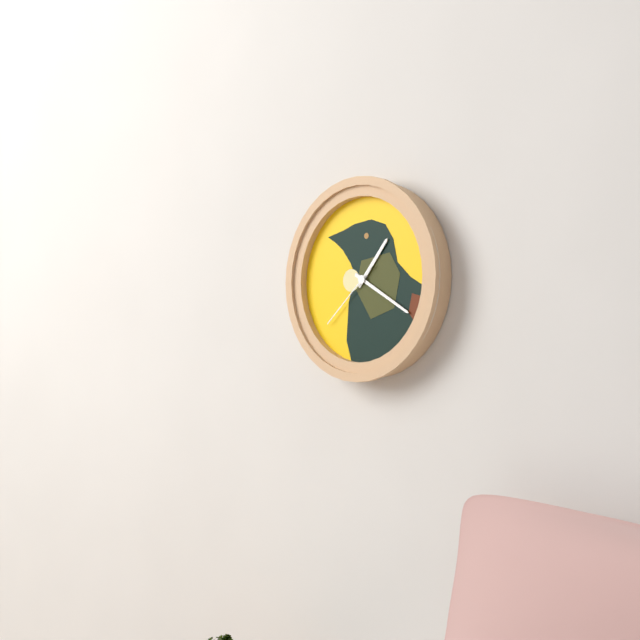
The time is 1:20:38
